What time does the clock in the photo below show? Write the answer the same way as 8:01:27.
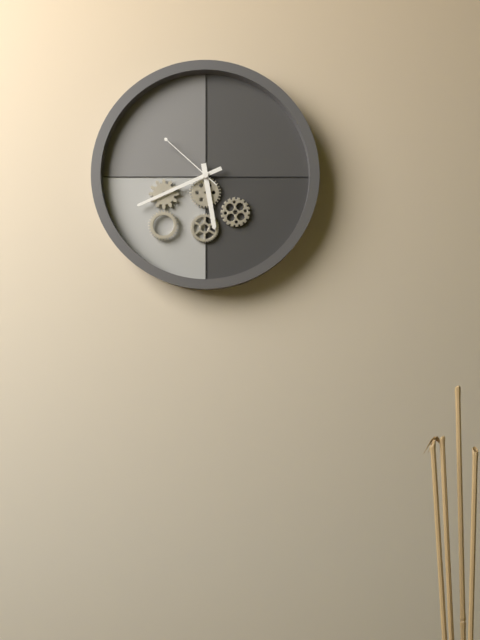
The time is 5:41:52
